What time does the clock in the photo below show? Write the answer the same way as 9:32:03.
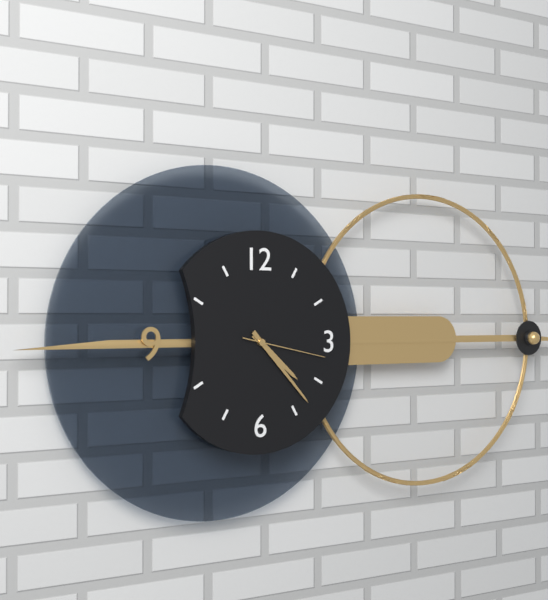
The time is 4:23:17
